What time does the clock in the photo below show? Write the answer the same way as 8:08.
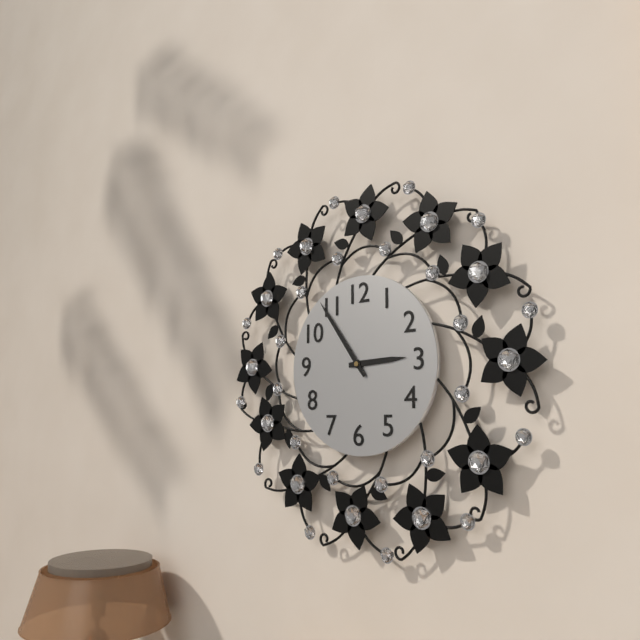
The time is 2:54
